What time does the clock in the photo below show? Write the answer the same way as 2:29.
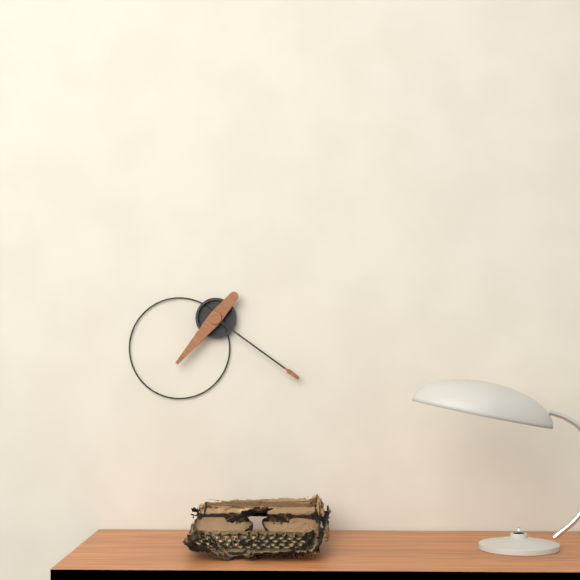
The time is 7:21
